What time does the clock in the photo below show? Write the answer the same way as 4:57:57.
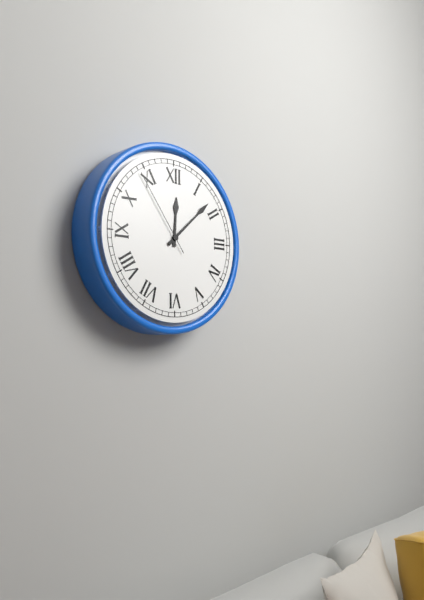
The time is 12:08:54
